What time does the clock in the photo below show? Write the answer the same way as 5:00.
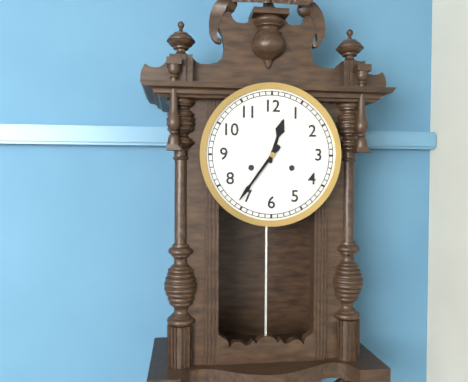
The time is 12:36
